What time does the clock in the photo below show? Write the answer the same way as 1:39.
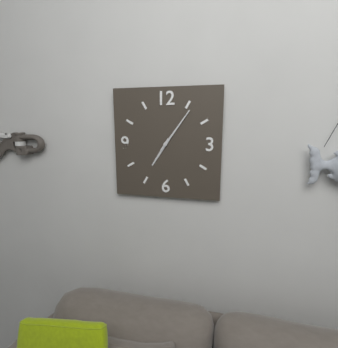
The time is 7:06
